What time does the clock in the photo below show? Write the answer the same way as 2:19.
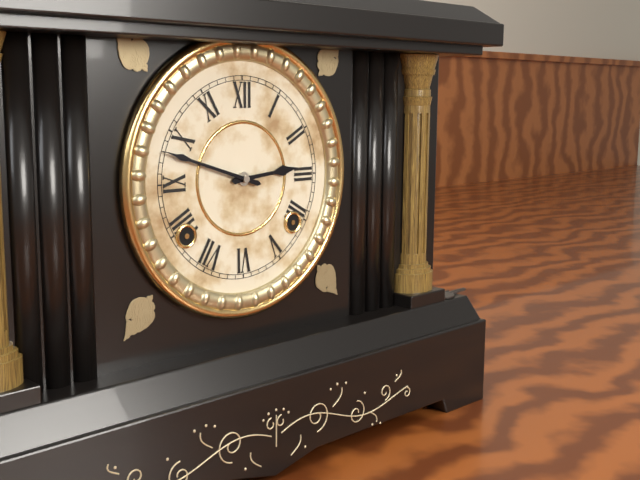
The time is 2:48
